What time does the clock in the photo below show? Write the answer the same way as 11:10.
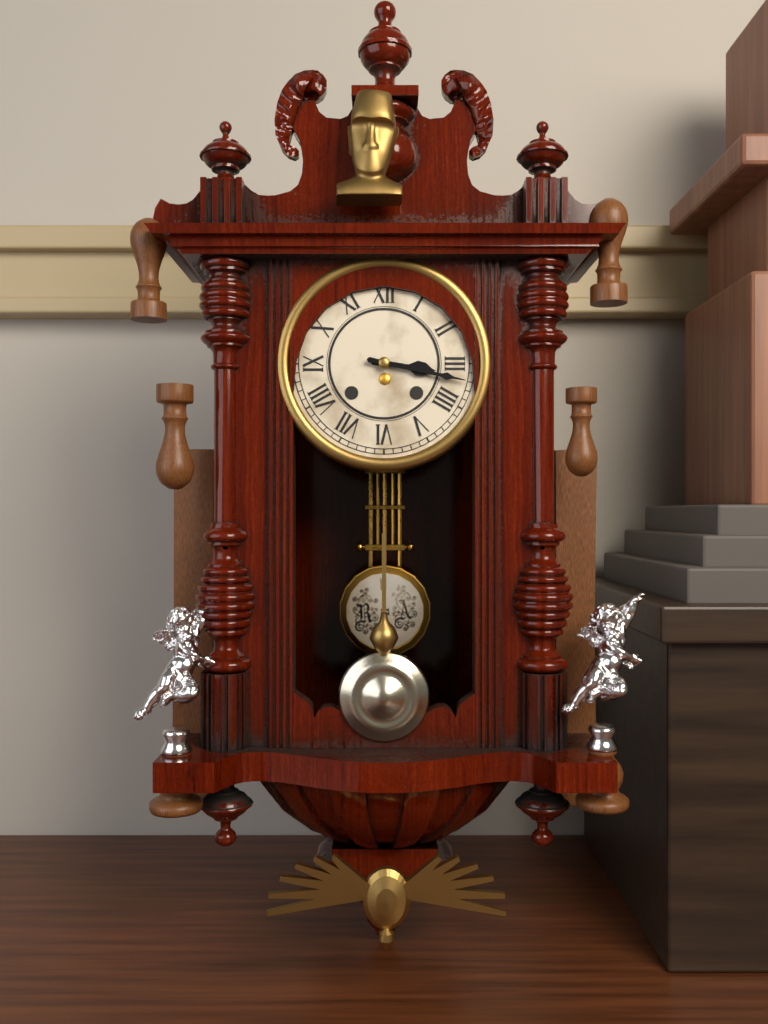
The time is 3:17
